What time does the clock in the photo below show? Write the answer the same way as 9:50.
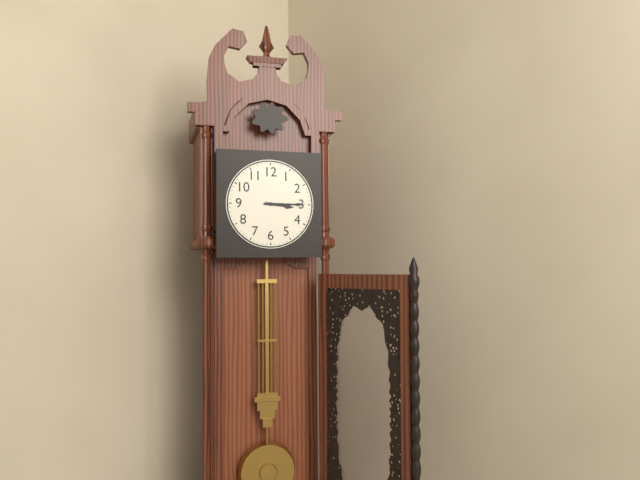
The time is 3:15
